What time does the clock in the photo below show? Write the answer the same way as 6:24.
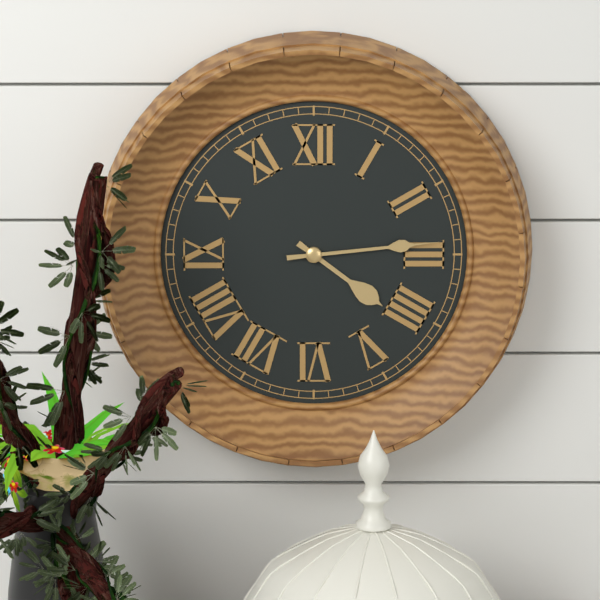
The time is 4:14
